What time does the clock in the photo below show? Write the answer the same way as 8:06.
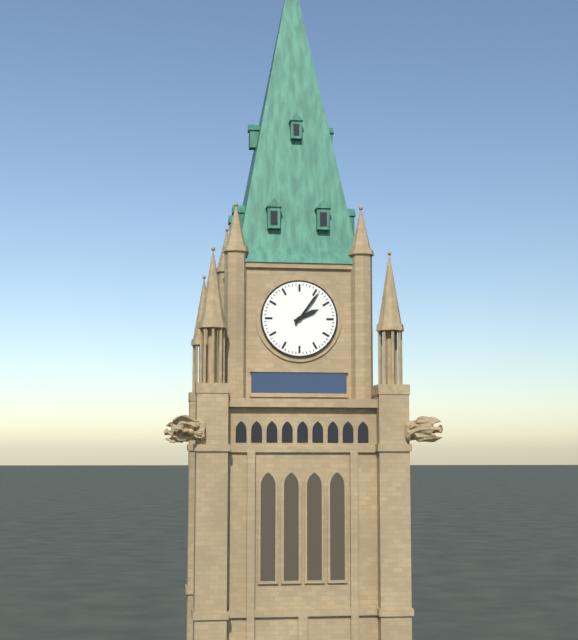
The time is 2:06
